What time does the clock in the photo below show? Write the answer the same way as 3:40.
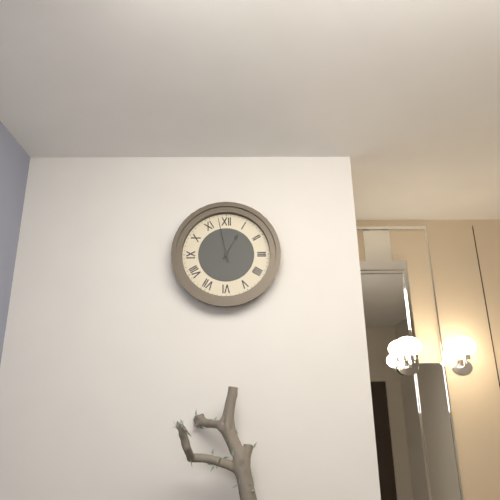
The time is 12:58
